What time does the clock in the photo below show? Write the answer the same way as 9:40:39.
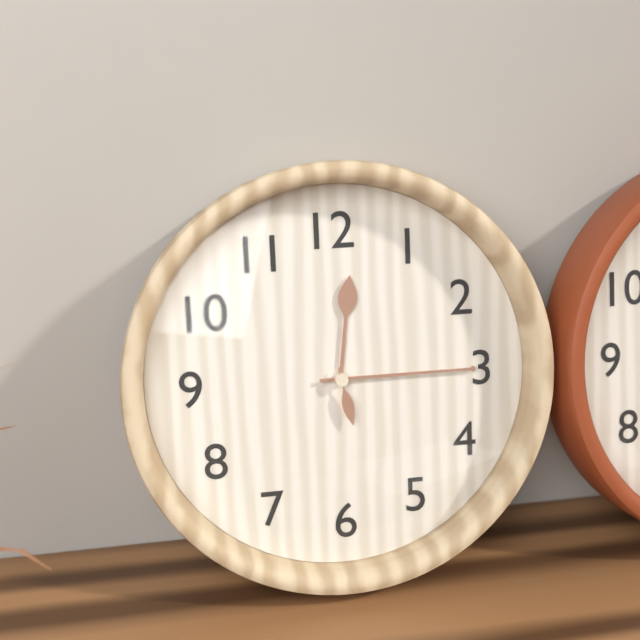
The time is 12:15:28
